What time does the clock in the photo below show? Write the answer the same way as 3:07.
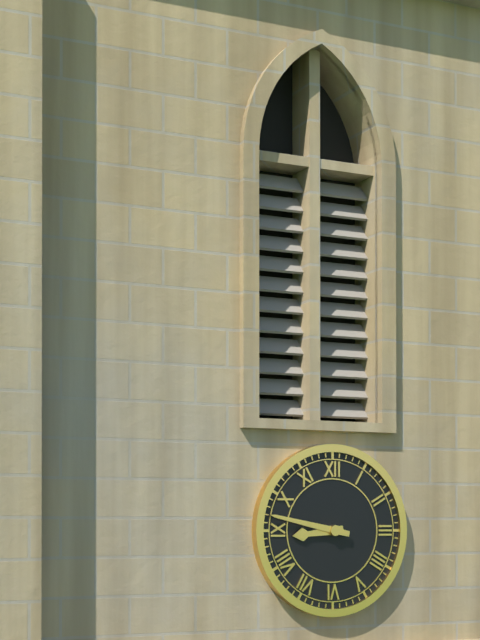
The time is 8:47
